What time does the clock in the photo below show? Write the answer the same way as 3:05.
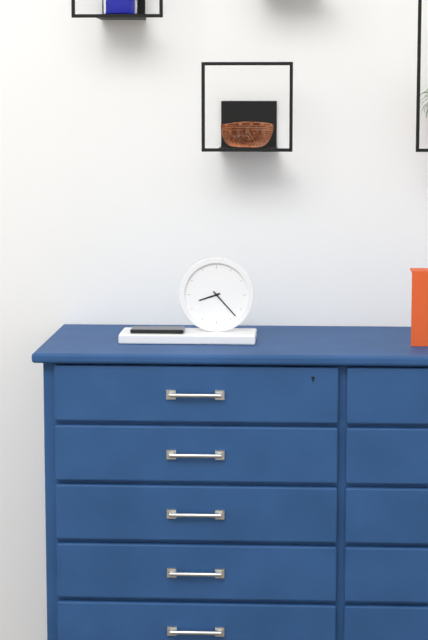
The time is 8:23
